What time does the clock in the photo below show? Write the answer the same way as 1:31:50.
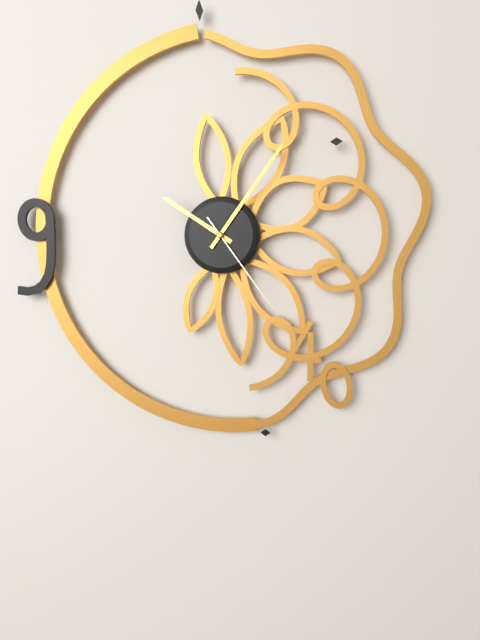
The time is 10:06:24
